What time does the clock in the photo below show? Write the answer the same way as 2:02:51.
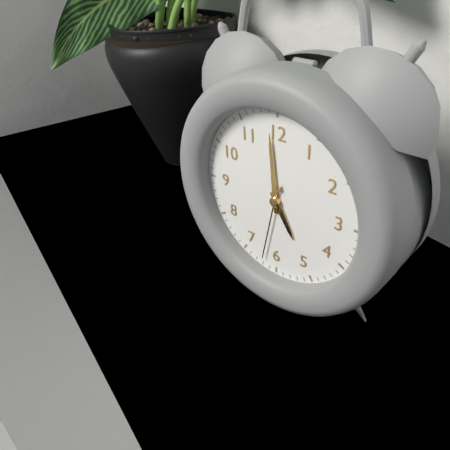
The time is 4:59:32
